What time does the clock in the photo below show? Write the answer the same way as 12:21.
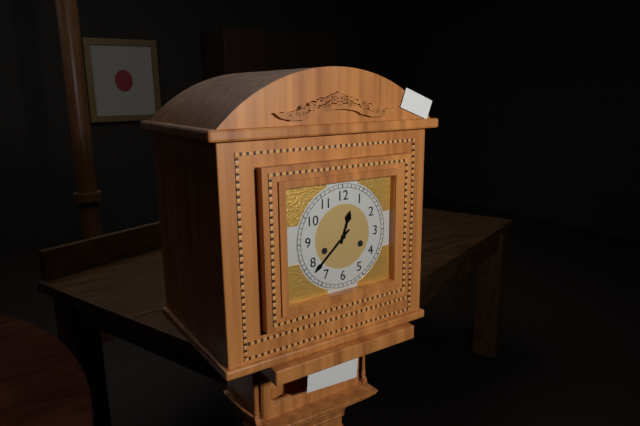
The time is 12:38
